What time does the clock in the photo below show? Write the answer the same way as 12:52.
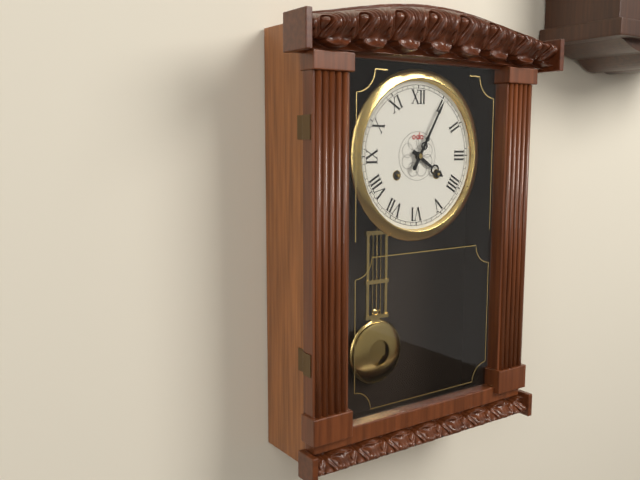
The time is 4:05
